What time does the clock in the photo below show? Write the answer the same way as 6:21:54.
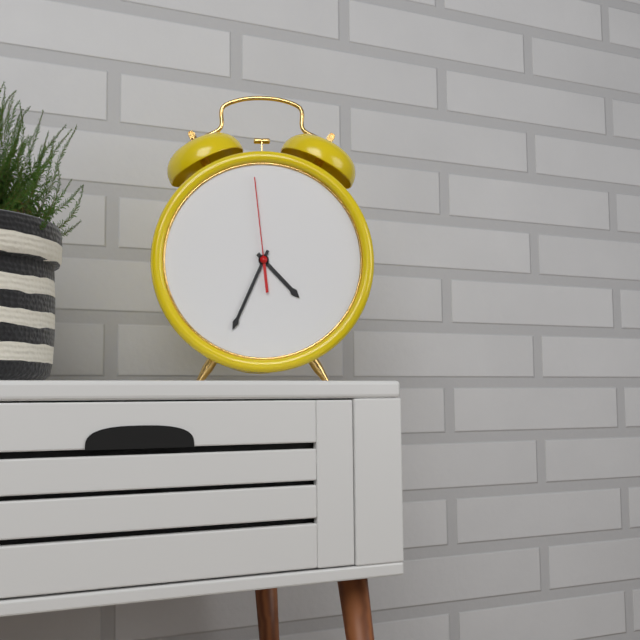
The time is 4:34:59
